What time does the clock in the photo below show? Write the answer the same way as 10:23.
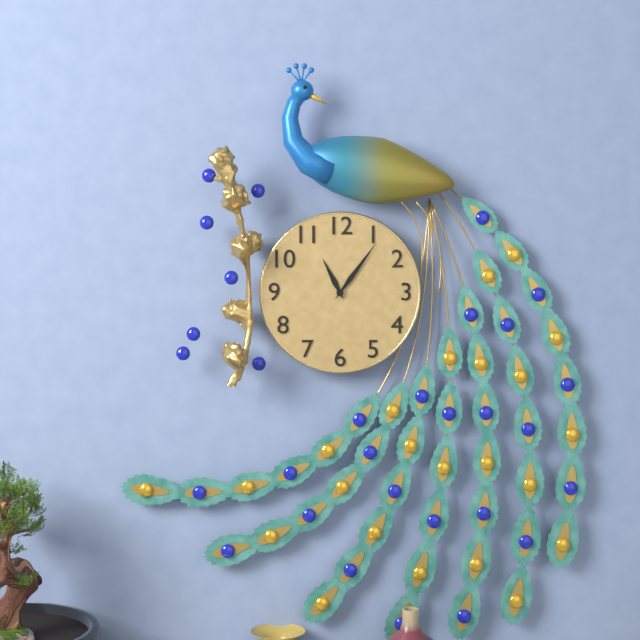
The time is 11:06
